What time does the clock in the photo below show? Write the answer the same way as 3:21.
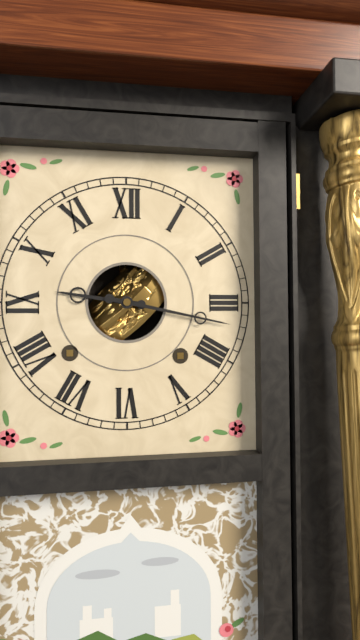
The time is 9:17
